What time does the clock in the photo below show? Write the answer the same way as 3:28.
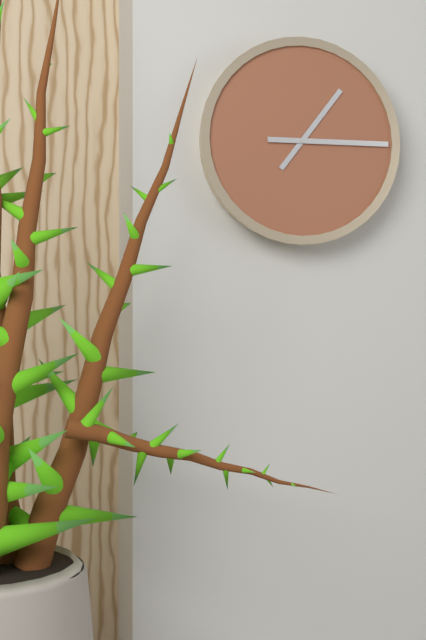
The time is 1:15
